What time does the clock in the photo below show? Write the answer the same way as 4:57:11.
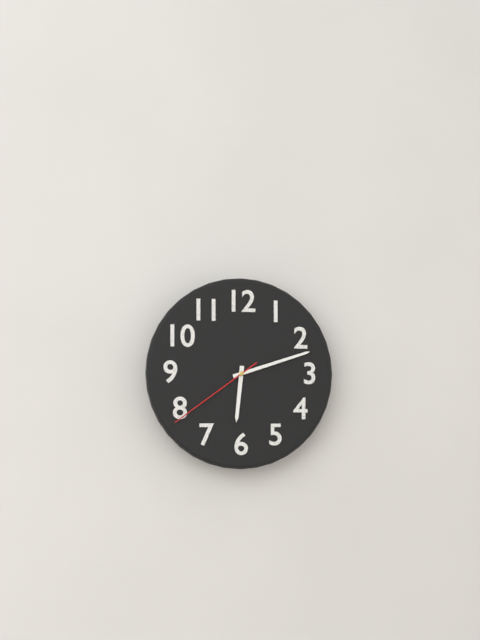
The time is 6:12:39
